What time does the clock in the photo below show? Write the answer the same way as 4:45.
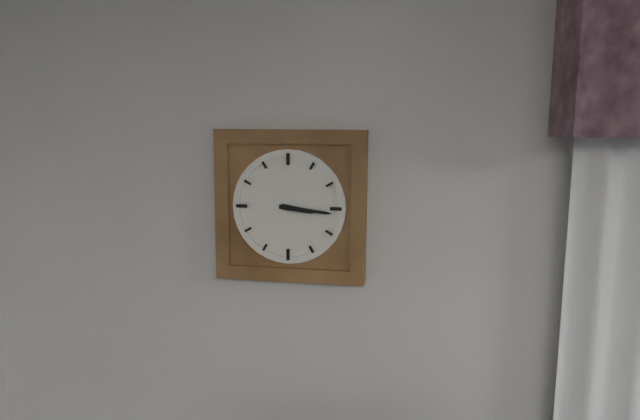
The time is 3:16
